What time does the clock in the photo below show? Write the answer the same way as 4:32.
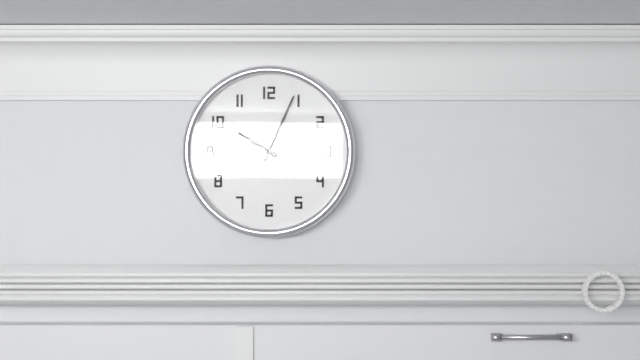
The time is 10:04
